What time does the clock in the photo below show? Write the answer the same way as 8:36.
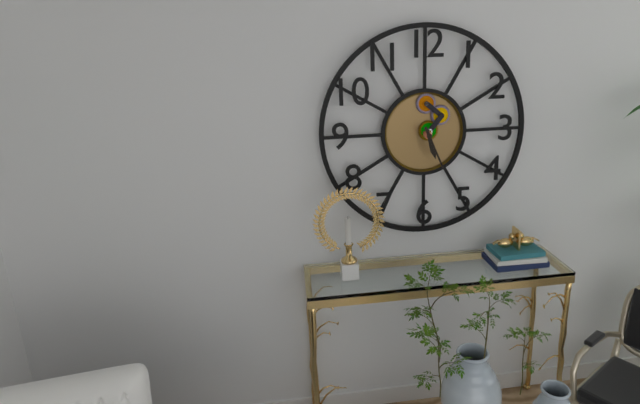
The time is 5:26
